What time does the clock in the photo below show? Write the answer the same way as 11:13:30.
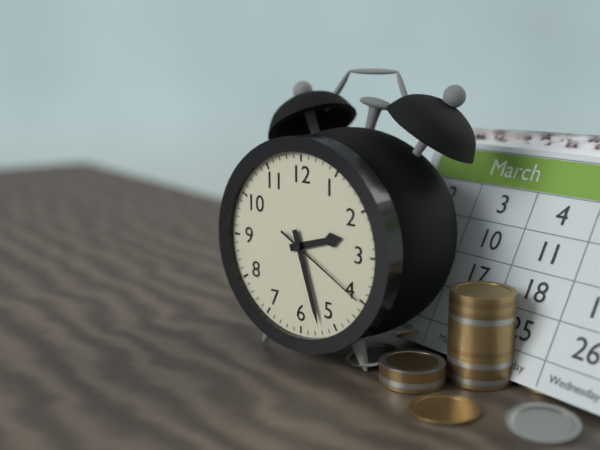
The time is 2:27:20
